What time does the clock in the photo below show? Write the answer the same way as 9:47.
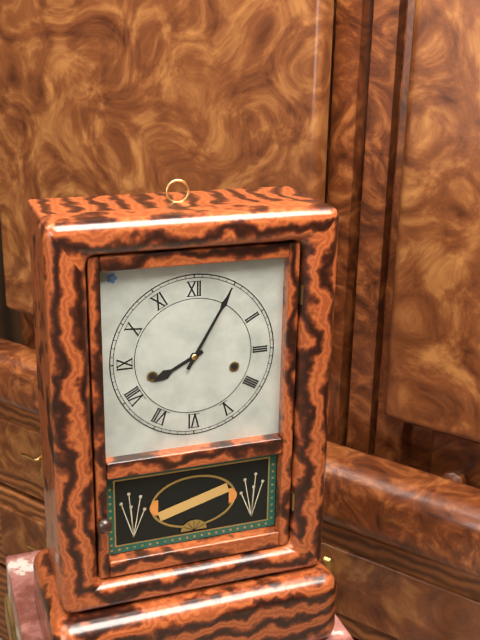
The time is 8:05
